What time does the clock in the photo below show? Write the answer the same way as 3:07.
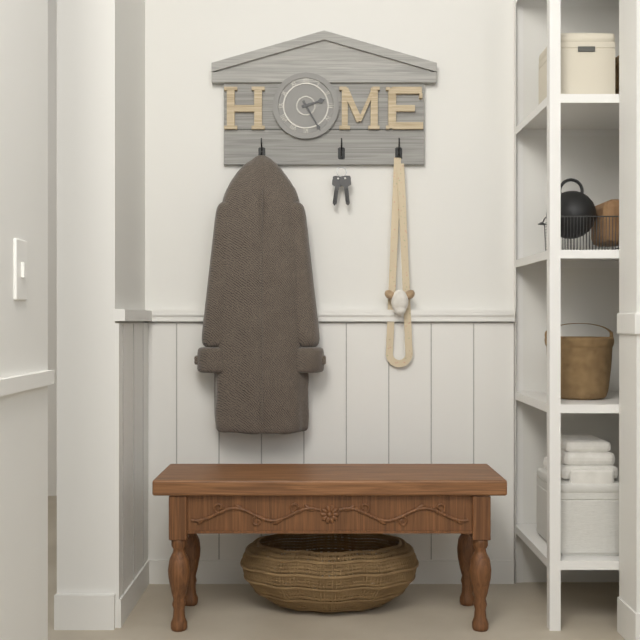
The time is 2:25
